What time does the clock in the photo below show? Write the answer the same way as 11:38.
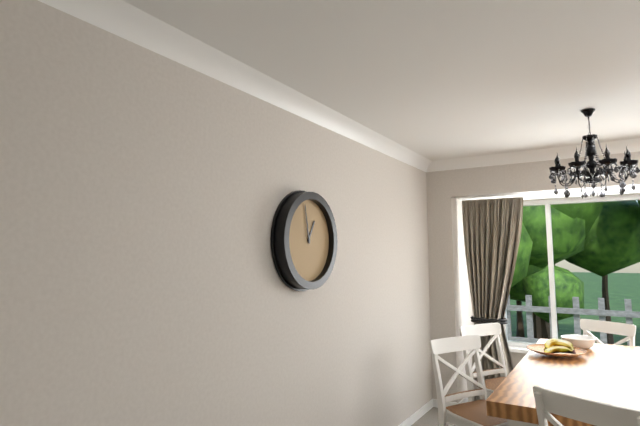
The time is 12:58
